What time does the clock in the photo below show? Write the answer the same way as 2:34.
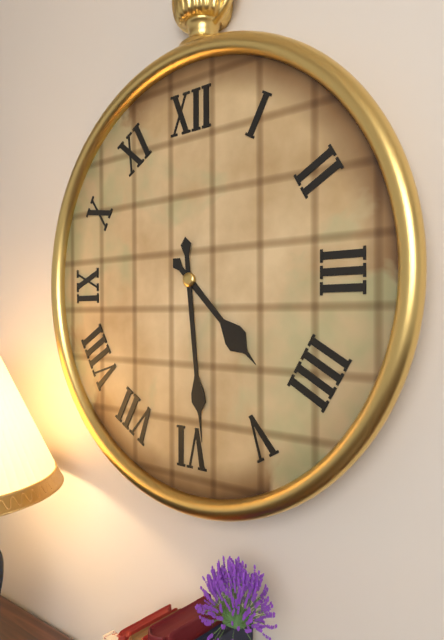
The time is 4:29
